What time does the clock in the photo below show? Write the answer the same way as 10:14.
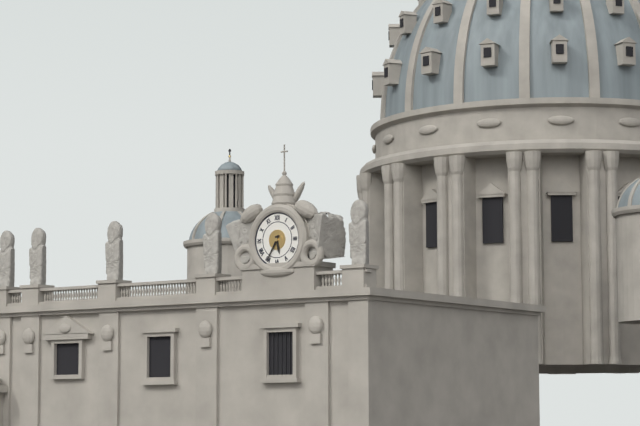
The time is 5:35
